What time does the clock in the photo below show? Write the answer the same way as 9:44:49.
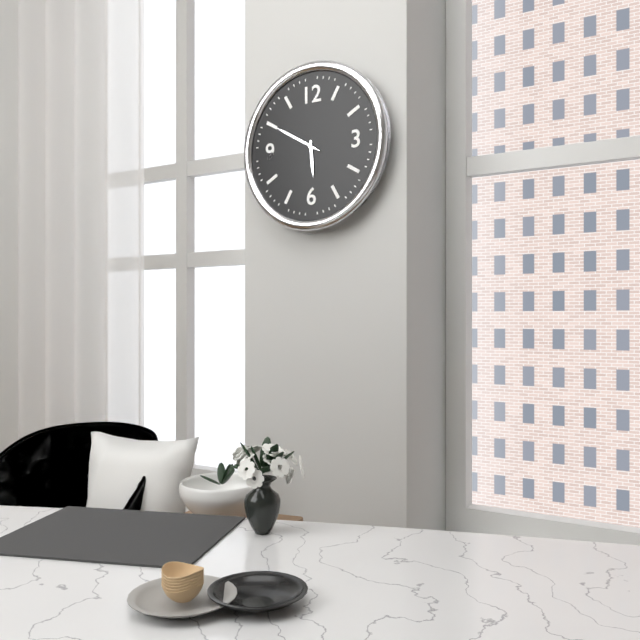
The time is 5:50:50
